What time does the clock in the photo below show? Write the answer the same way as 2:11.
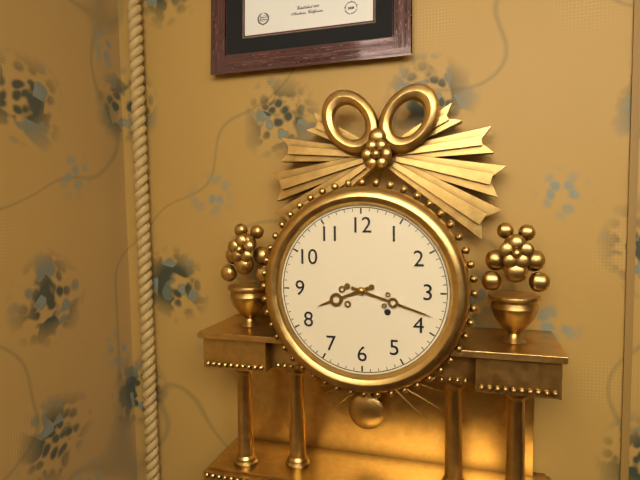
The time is 8:18
